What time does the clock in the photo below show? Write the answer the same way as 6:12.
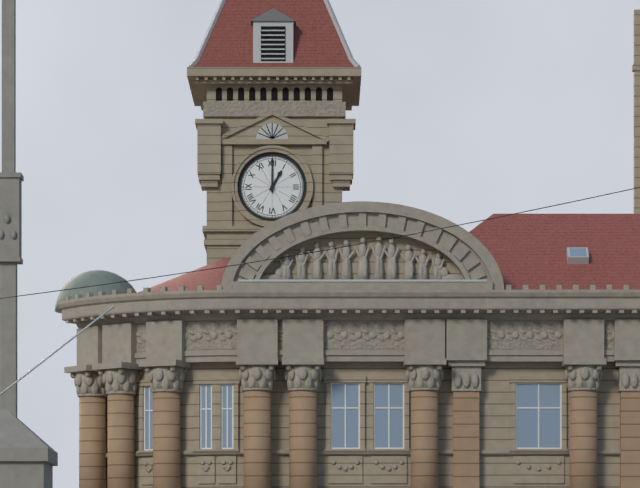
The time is 1:00
